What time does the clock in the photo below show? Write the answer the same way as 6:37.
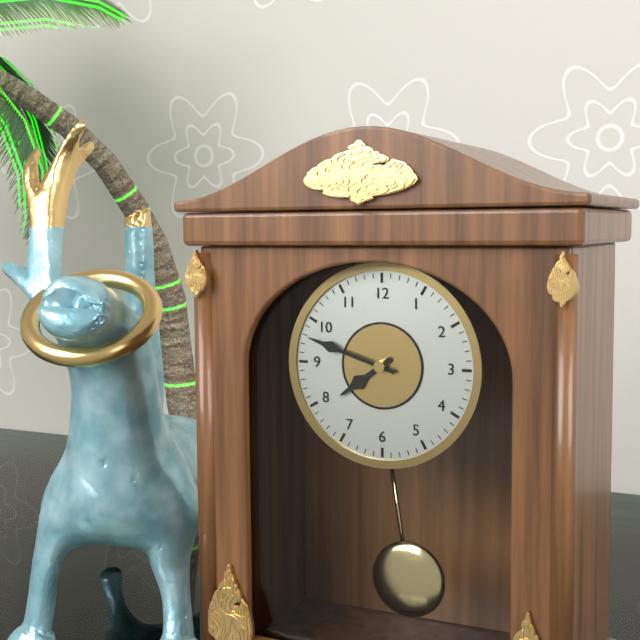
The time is 7:48
